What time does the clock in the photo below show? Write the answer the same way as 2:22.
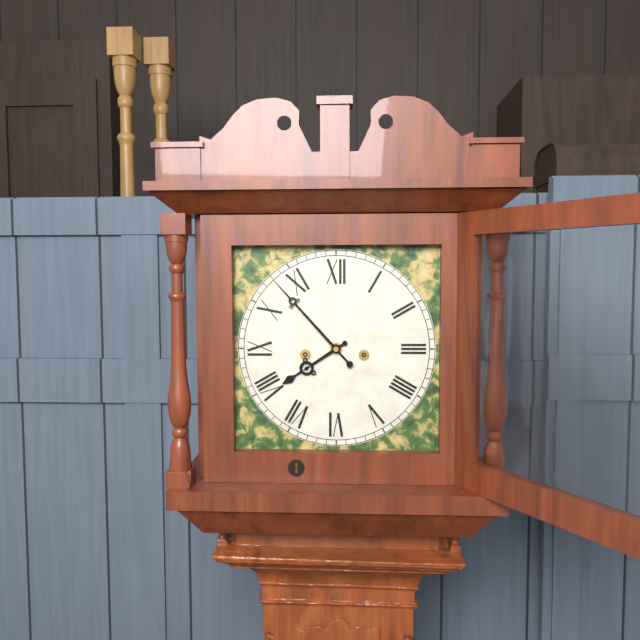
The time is 7:53
